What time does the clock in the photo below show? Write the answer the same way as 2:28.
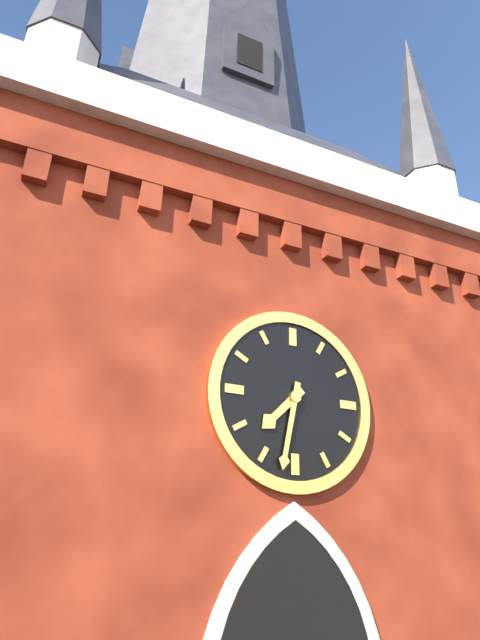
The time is 7:32
